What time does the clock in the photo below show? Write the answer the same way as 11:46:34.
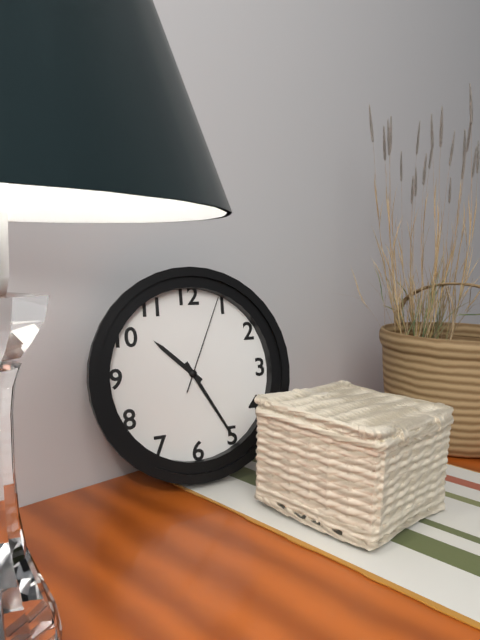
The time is 10:25:04
